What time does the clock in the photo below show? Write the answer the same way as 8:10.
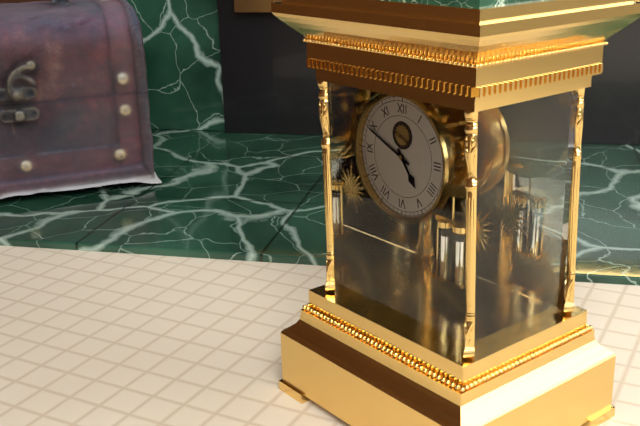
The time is 4:49
